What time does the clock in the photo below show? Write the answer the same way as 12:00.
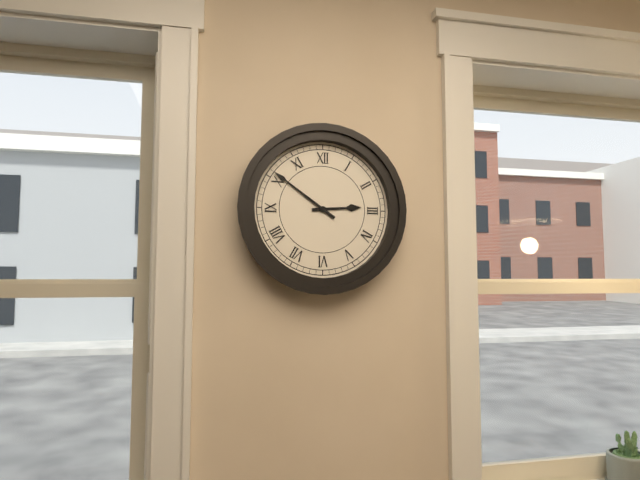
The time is 2:51
